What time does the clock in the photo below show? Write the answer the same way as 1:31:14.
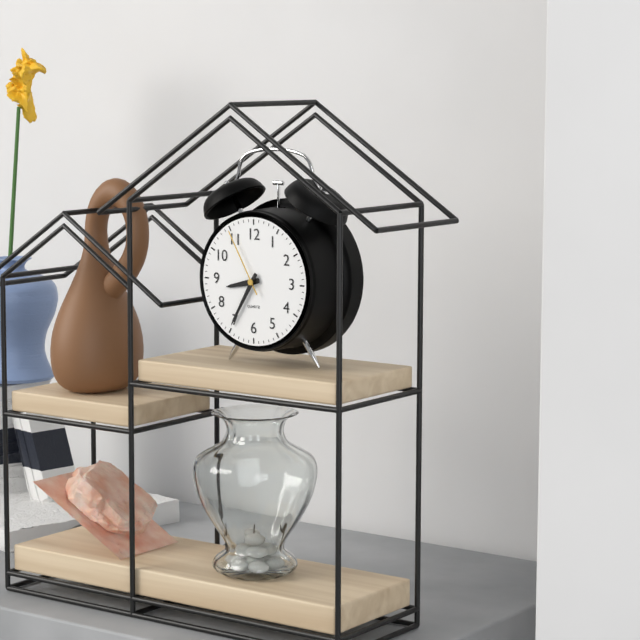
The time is 8:35:55
